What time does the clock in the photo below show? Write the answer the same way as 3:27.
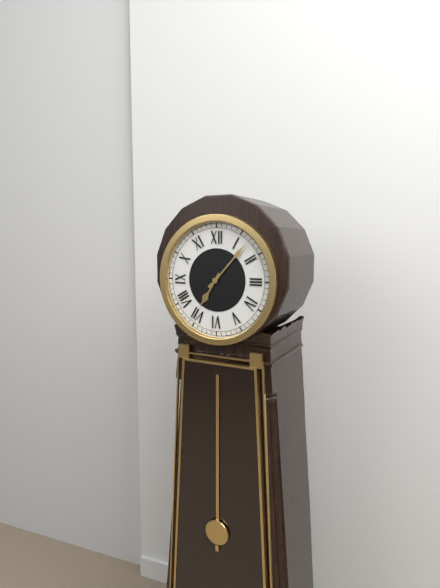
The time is 7:07
